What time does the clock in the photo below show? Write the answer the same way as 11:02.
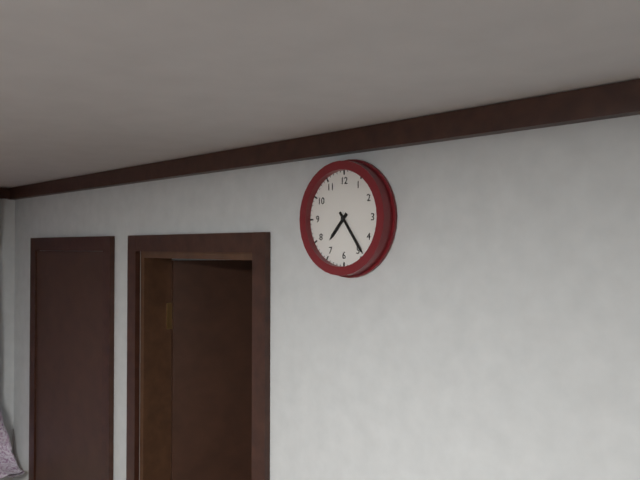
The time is 7:24
